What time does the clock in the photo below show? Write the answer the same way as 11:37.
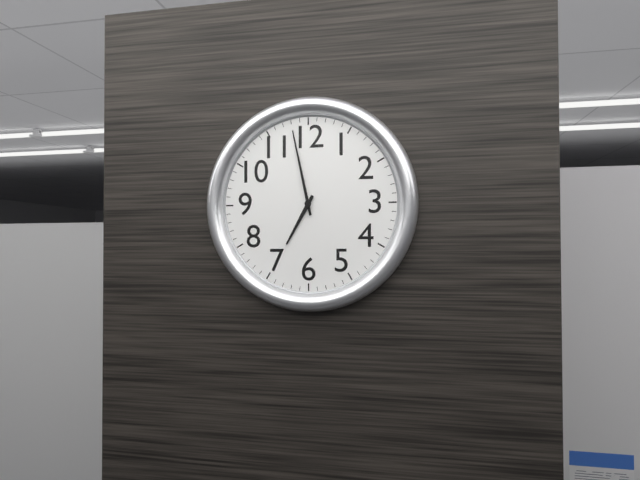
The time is 6:58
